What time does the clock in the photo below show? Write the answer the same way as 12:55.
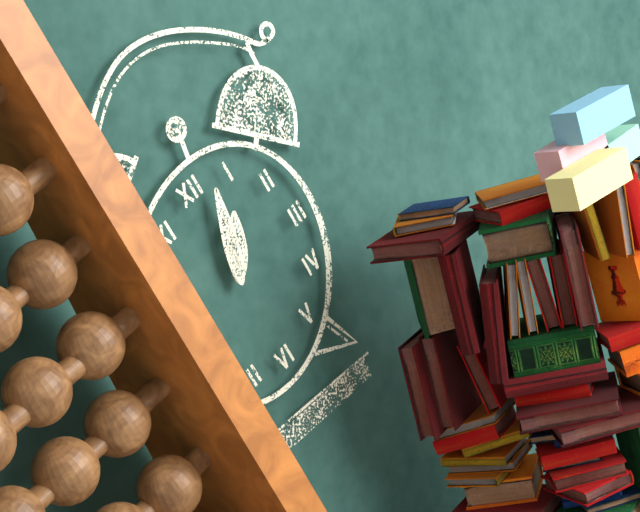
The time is 1:03
